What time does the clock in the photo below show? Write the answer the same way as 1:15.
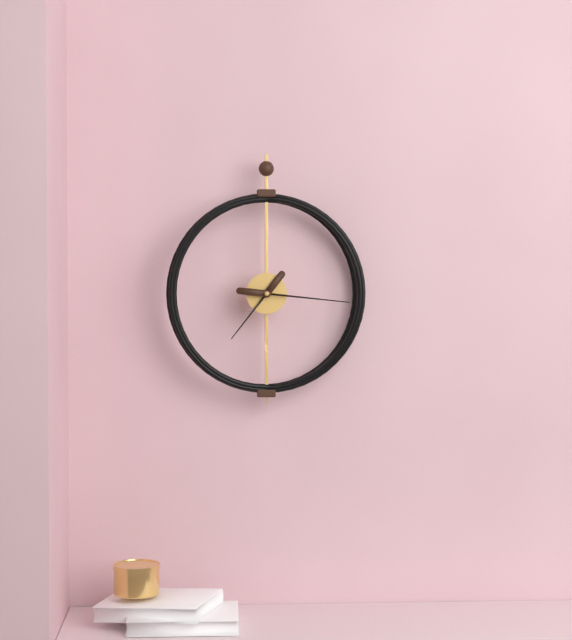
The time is 7:16
